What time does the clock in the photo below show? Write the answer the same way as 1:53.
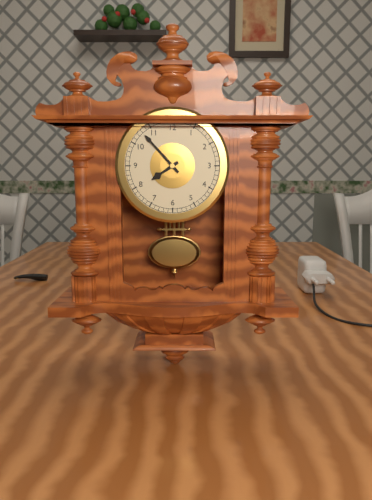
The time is 7:53
